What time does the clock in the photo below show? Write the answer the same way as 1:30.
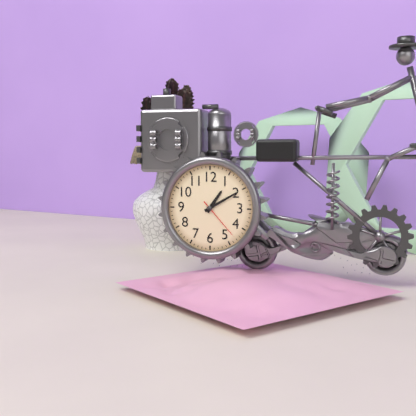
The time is 1:10
